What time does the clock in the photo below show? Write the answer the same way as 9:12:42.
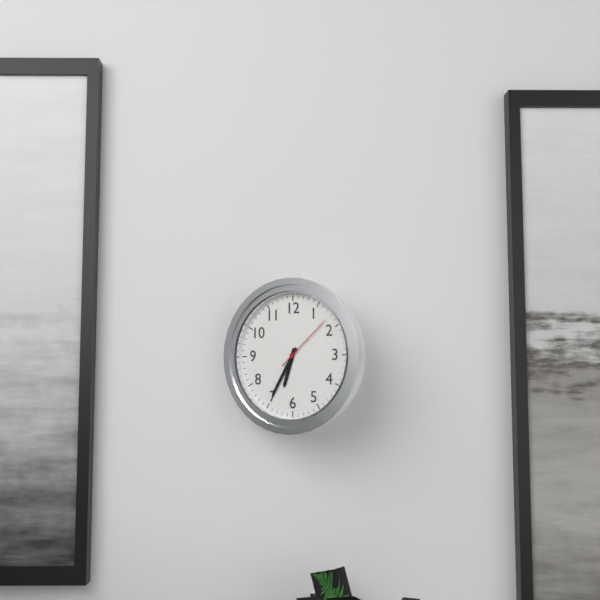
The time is 6:35:08
